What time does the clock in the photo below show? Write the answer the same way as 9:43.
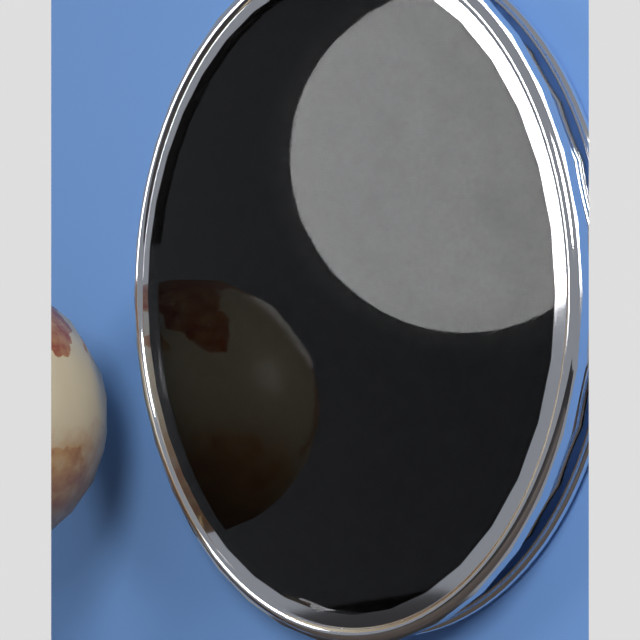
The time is 3:59
